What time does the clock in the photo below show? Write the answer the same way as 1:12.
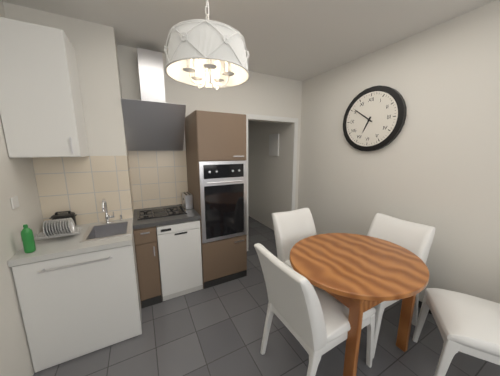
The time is 6:51
